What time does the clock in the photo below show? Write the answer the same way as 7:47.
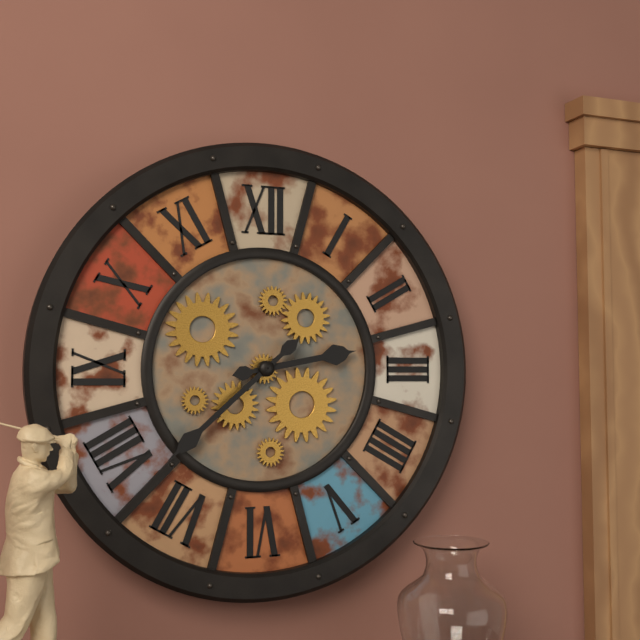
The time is 2:38
